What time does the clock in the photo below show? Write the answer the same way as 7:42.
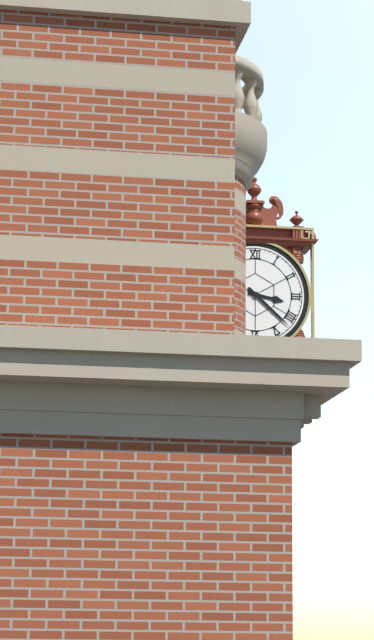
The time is 3:22
